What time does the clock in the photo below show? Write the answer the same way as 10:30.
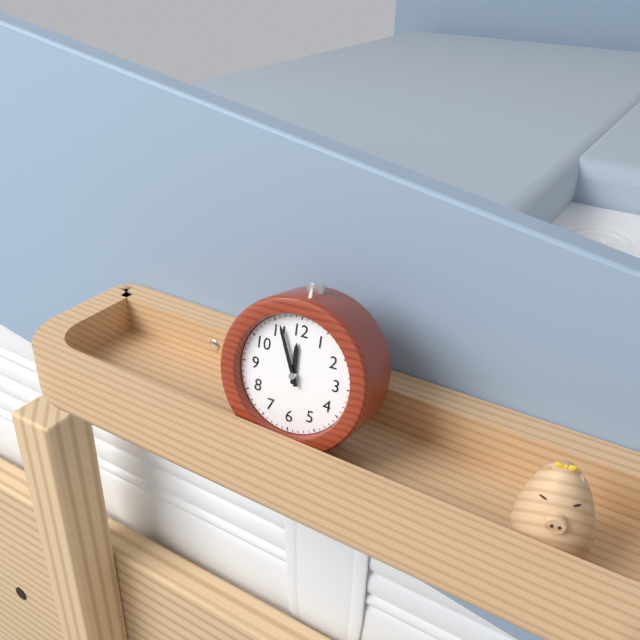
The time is 11:56
